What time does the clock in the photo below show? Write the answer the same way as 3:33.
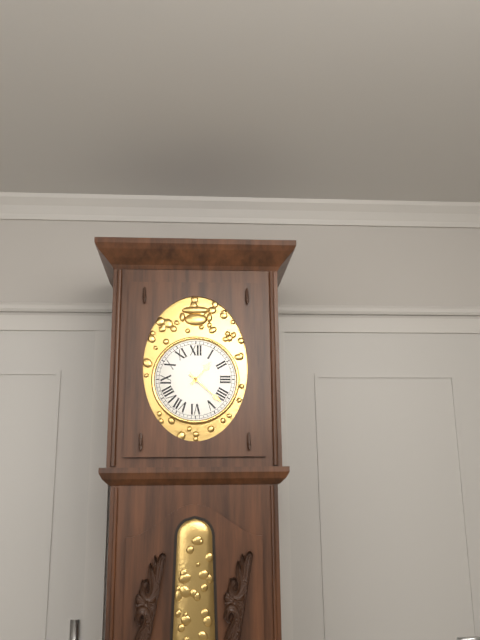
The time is 1:22
